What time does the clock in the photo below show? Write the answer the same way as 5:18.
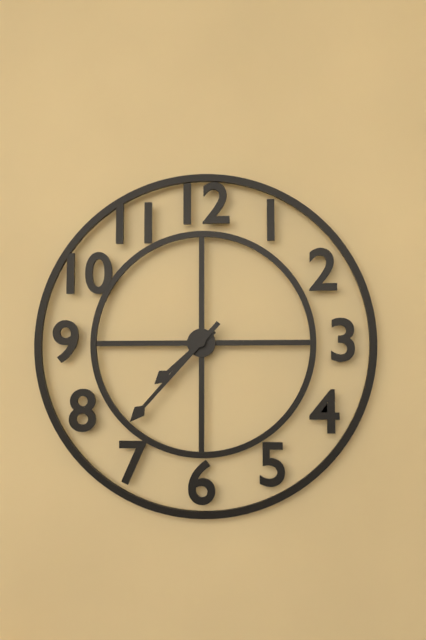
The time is 7:37
